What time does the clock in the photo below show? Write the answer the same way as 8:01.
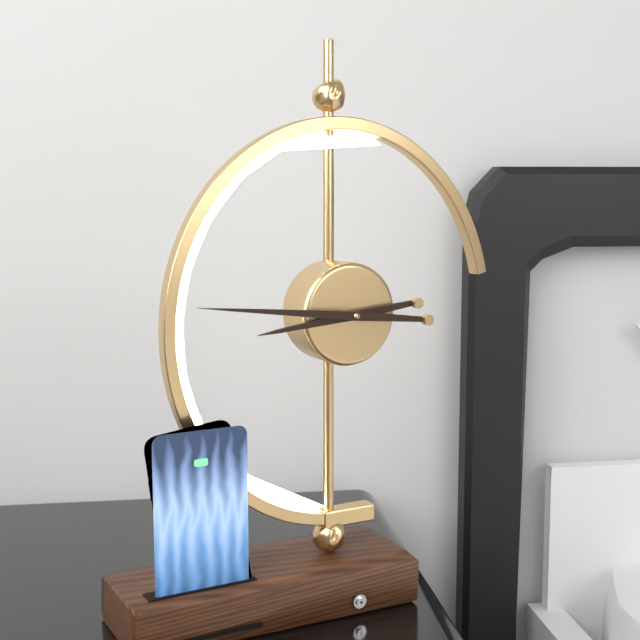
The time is 8:46
